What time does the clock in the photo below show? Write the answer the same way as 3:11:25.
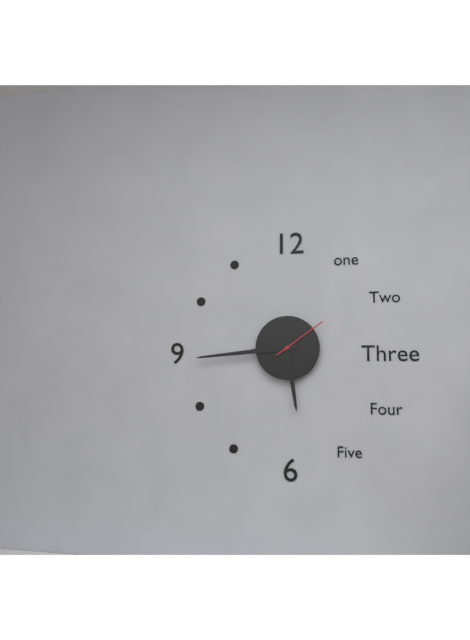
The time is 5:44:09
